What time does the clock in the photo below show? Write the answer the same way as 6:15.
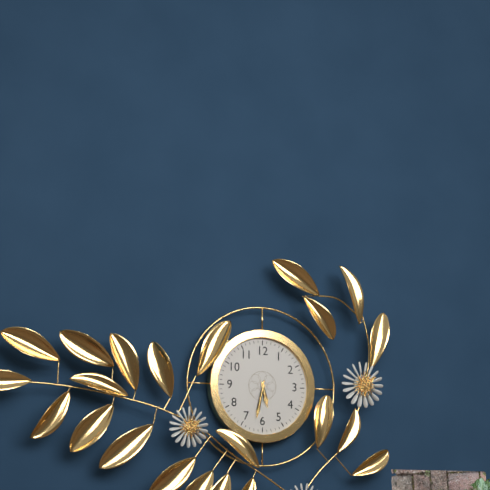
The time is 5:32
